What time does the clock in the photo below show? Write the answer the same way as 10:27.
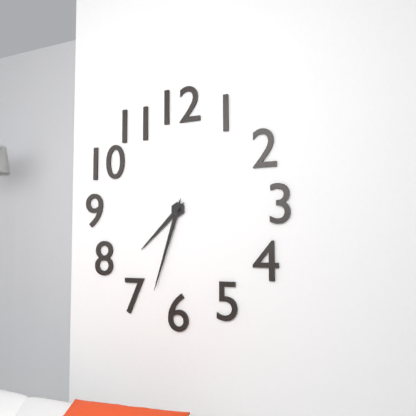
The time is 7:33
